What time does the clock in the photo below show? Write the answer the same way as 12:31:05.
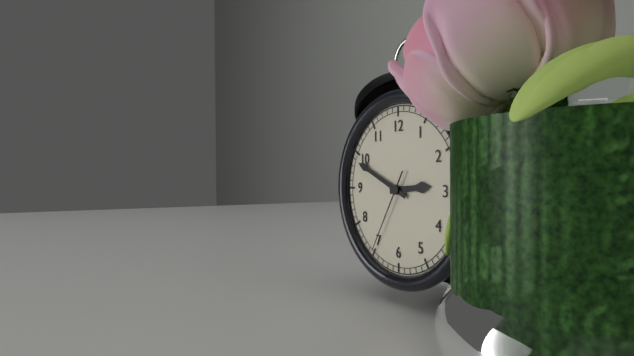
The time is 2:49:35
